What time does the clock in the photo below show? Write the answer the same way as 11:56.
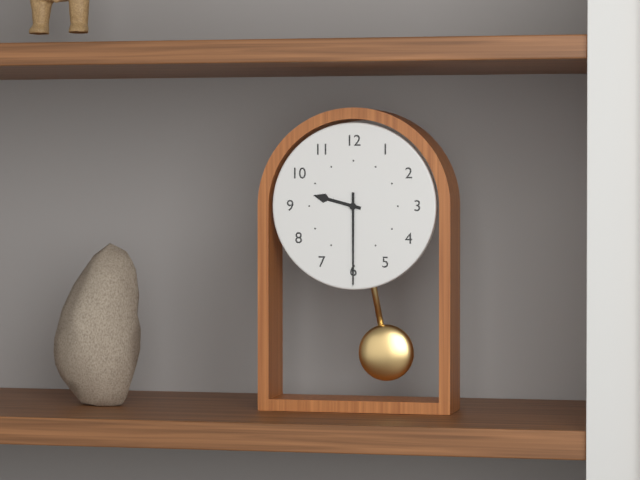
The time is 9:30
